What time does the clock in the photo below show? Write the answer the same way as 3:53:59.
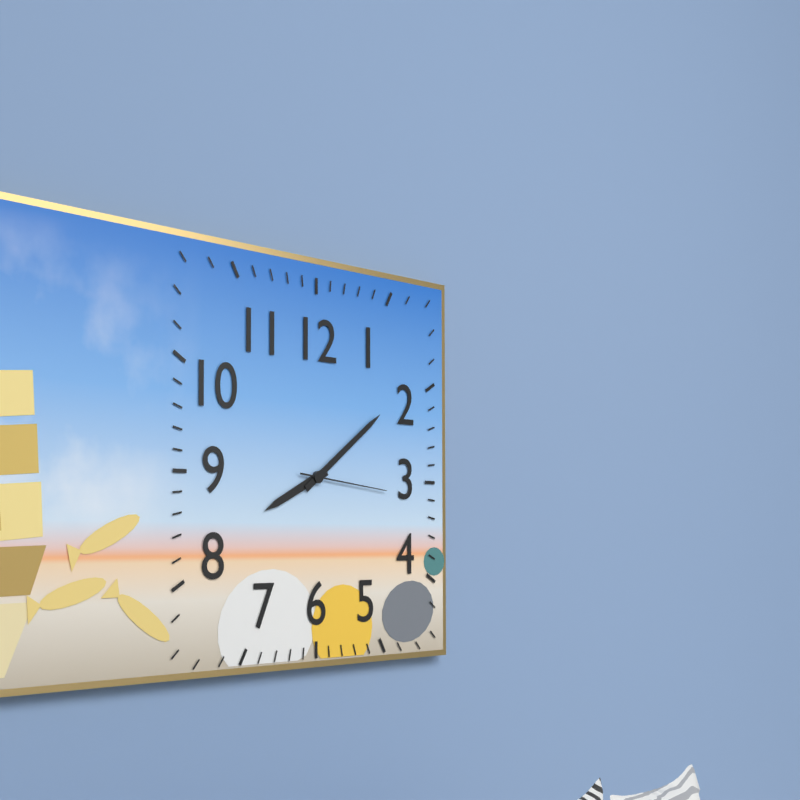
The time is 8:09:16
